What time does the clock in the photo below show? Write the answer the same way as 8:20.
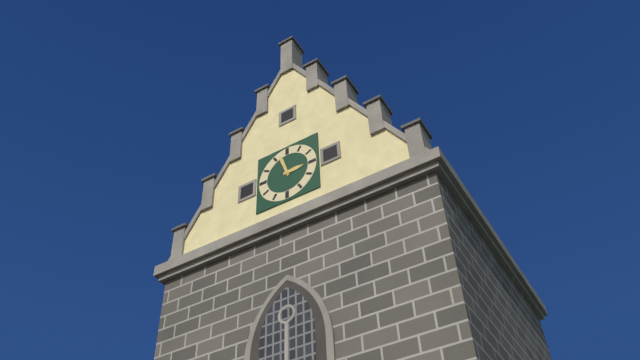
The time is 2:57
